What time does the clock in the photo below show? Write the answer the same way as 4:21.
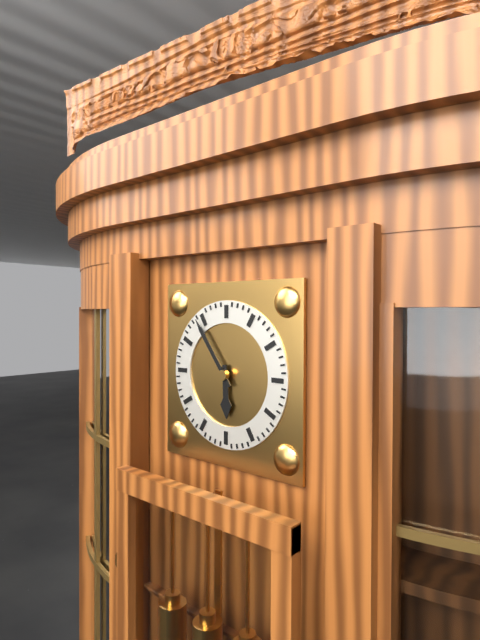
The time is 5:54
